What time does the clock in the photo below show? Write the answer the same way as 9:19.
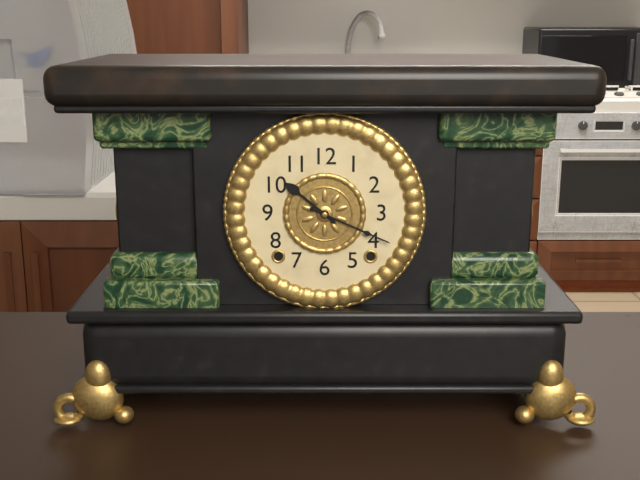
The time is 10:19
